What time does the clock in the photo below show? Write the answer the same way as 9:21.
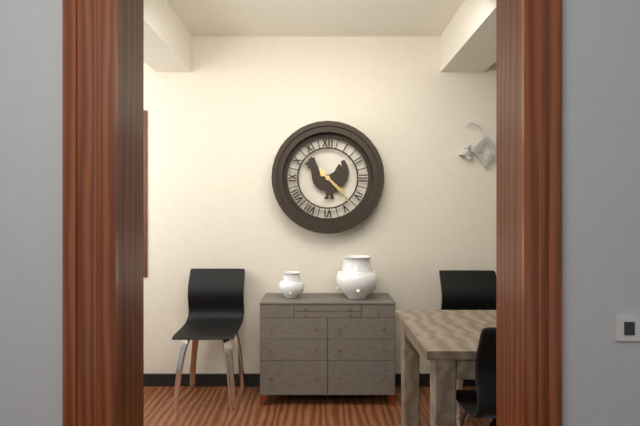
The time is 4:23
